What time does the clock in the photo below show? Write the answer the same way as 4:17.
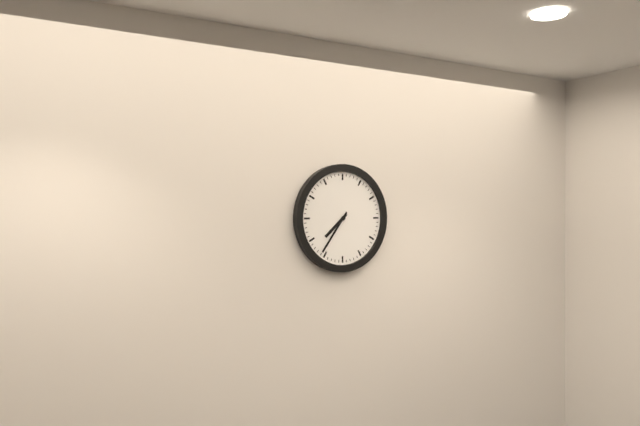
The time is 7:36
